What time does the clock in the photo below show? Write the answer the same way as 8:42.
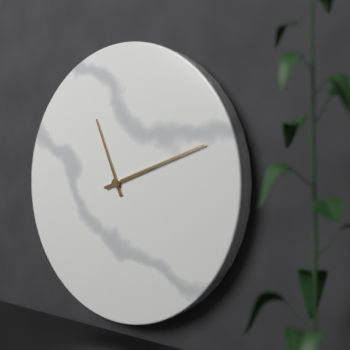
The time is 11:12
